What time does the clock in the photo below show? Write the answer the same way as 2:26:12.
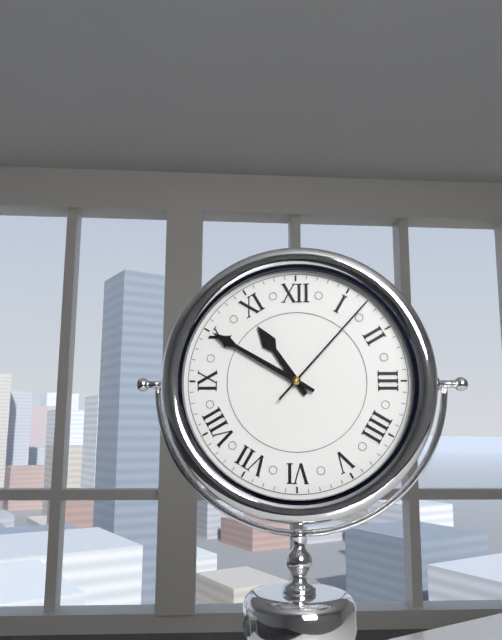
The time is 10:50:07
